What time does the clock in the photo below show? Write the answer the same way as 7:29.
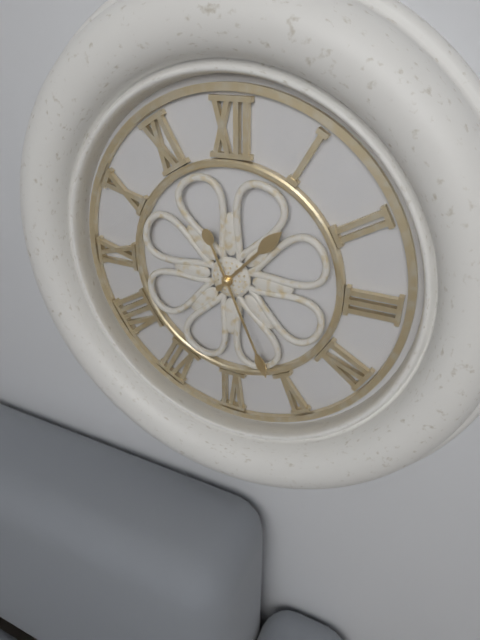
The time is 1:26
